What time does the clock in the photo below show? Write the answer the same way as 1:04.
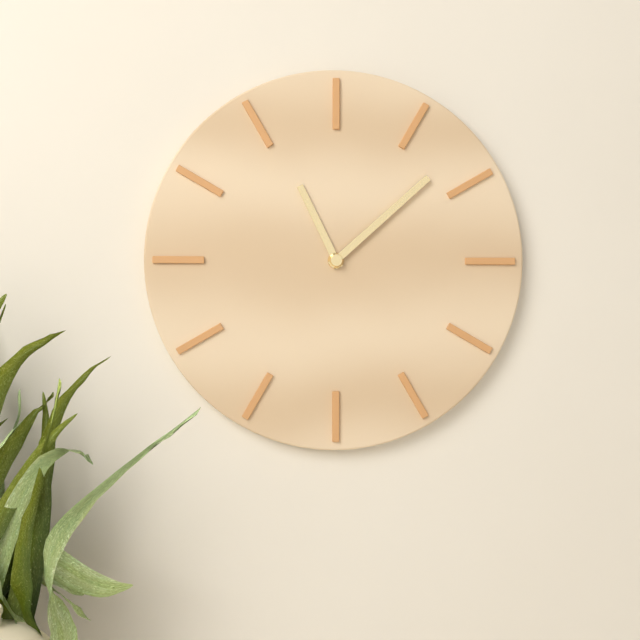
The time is 11:08
